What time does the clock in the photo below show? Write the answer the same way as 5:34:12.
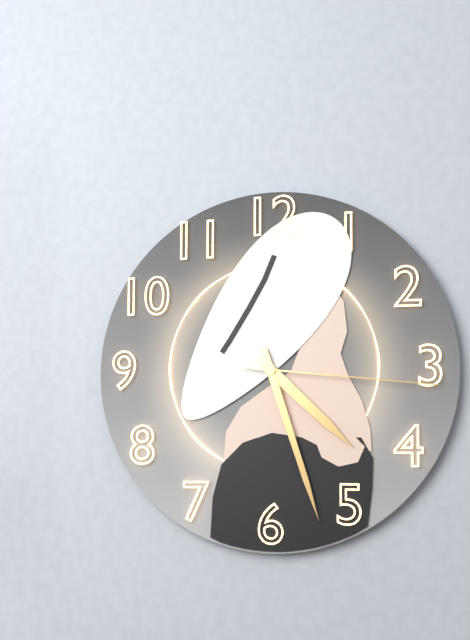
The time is 4:27:16
